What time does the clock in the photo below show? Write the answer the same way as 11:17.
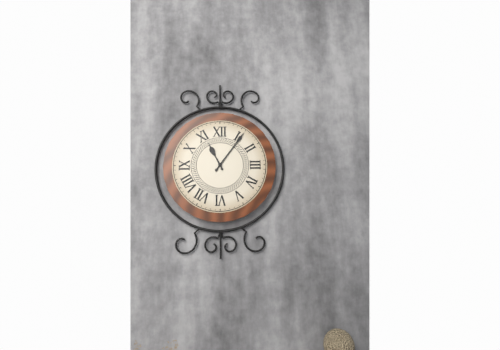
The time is 11:06
